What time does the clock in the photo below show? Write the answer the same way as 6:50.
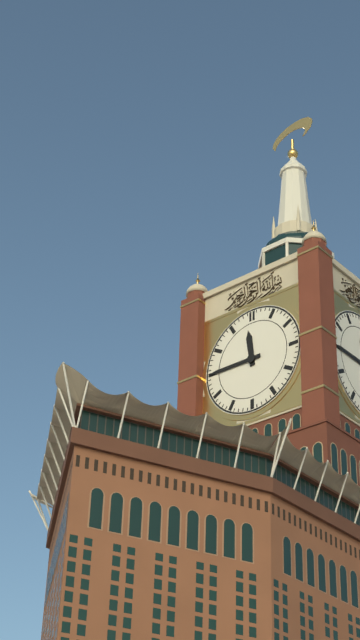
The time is 11:45
